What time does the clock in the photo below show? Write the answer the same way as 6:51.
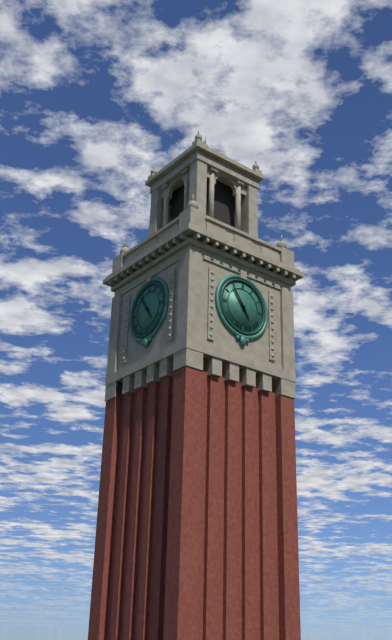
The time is 4:54
